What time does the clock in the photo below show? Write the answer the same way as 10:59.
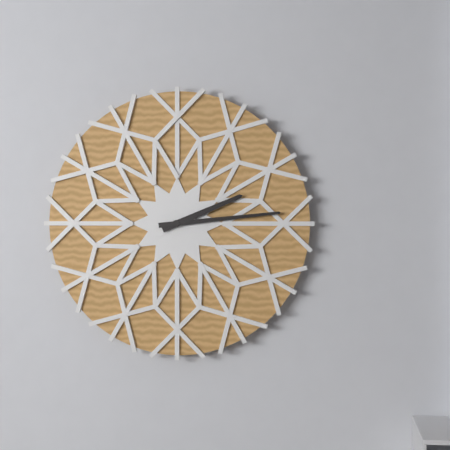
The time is 2:14
